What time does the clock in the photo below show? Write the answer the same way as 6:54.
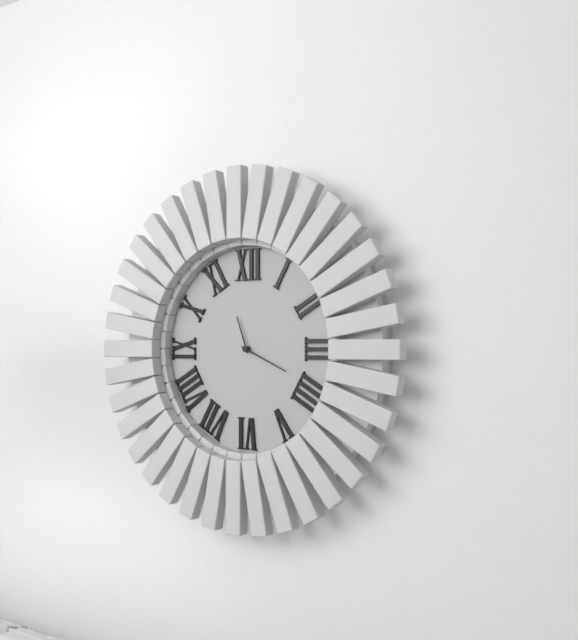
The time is 11:19
